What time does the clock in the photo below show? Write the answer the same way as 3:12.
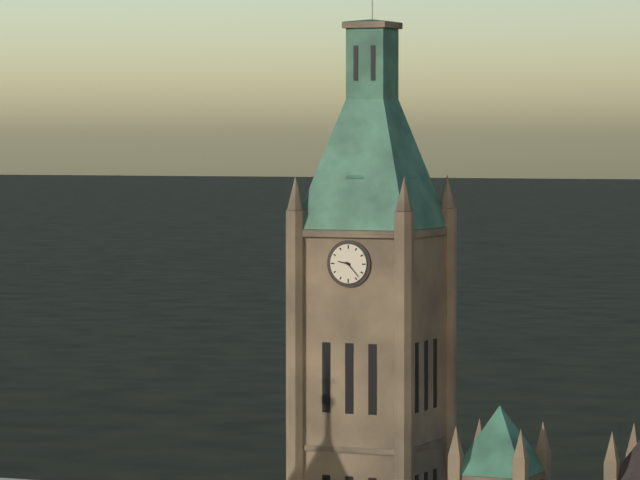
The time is 9:23
